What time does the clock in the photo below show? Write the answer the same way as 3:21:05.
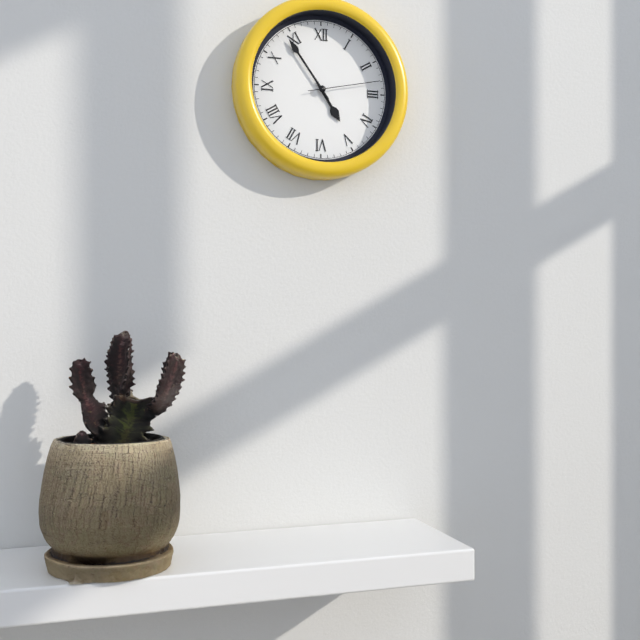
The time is 4:54:13
